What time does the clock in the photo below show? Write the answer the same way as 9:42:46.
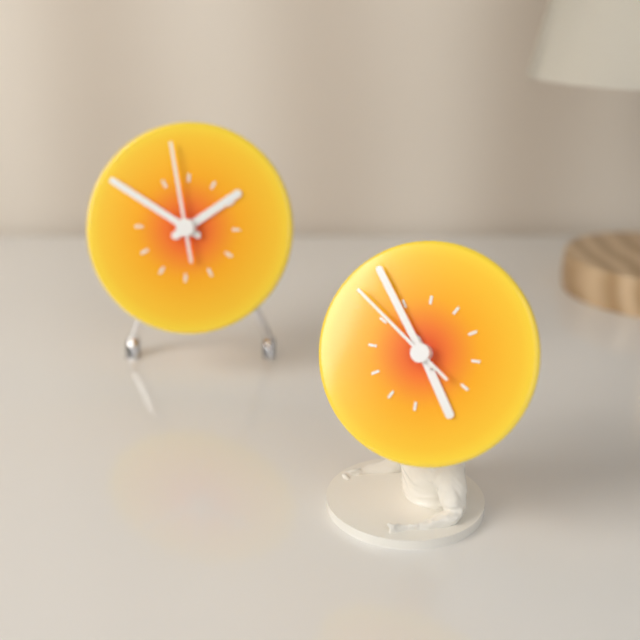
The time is 4:54:51
